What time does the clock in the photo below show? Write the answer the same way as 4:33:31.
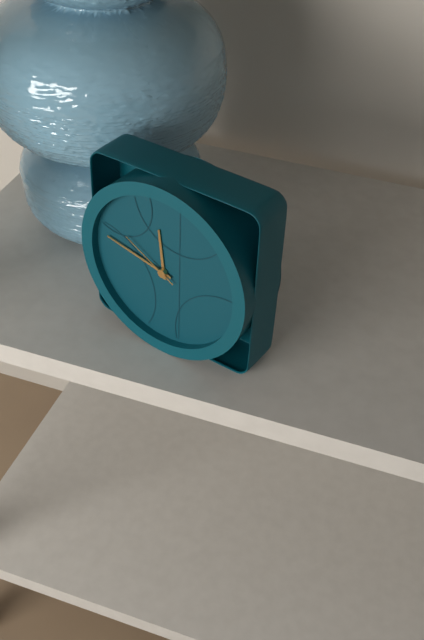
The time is 11:47:50
